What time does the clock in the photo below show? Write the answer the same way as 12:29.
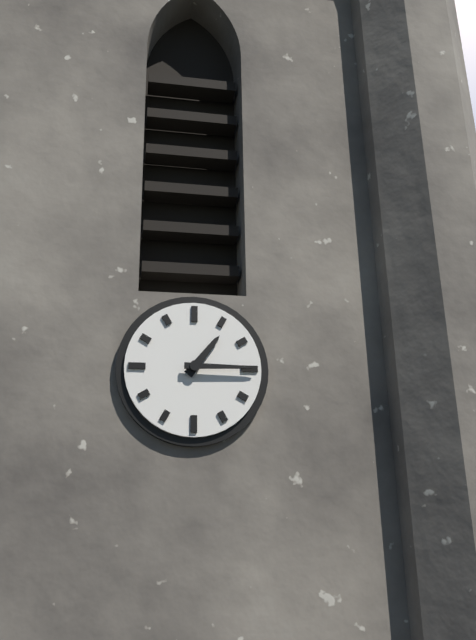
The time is 1:15
